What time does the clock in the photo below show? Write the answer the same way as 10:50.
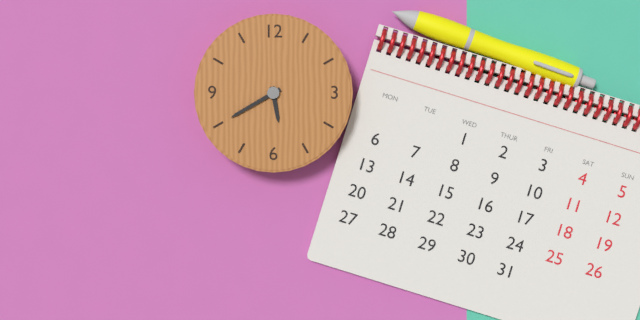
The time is 5:40
